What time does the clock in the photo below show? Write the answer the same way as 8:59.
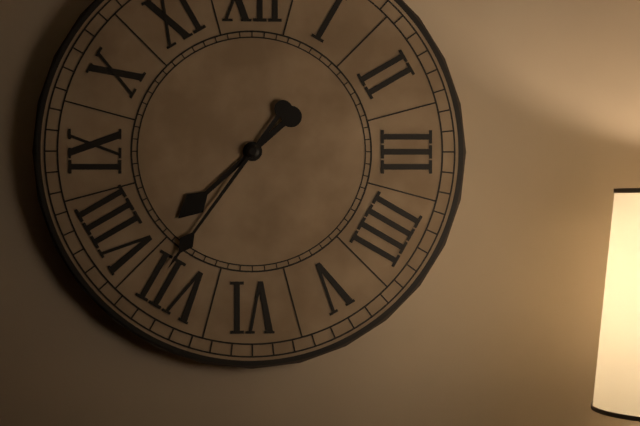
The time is 7:36
